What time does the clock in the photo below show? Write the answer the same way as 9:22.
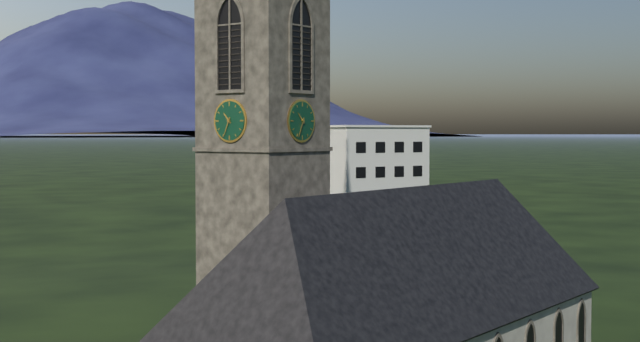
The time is 10:34
